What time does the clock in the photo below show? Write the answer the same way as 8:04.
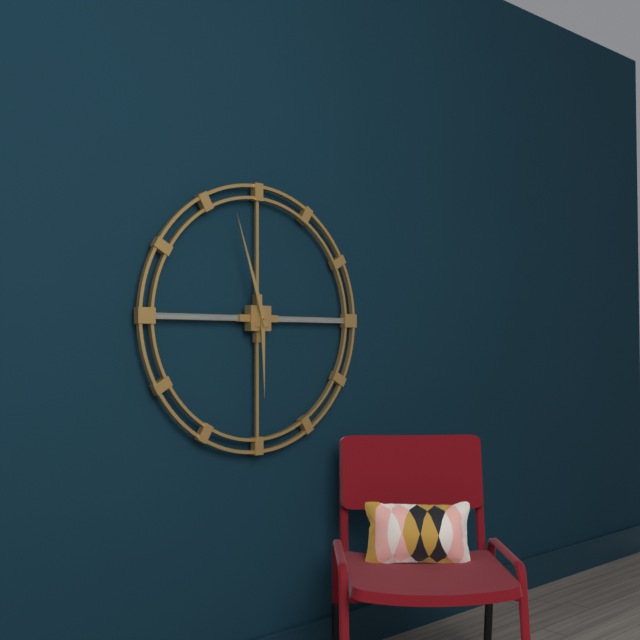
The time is 5:57
